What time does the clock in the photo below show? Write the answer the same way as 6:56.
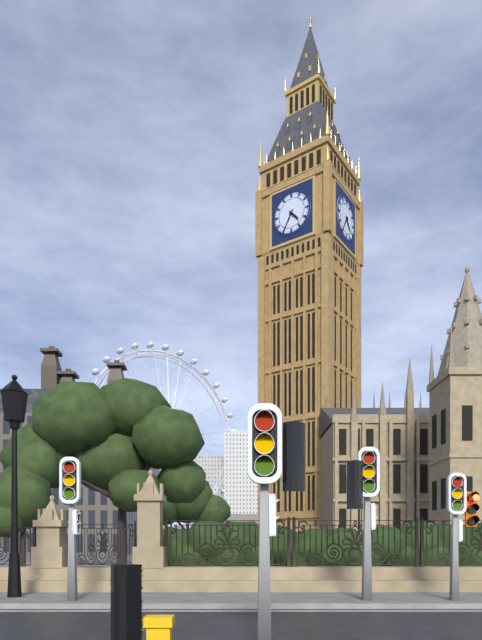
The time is 4:35
